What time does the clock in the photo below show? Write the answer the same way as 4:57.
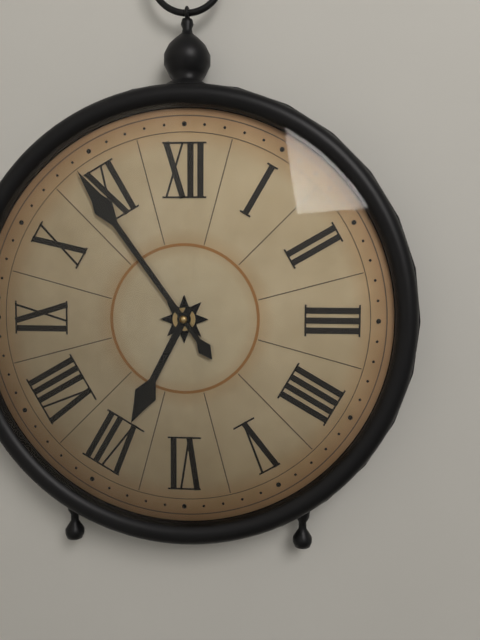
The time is 6:54
